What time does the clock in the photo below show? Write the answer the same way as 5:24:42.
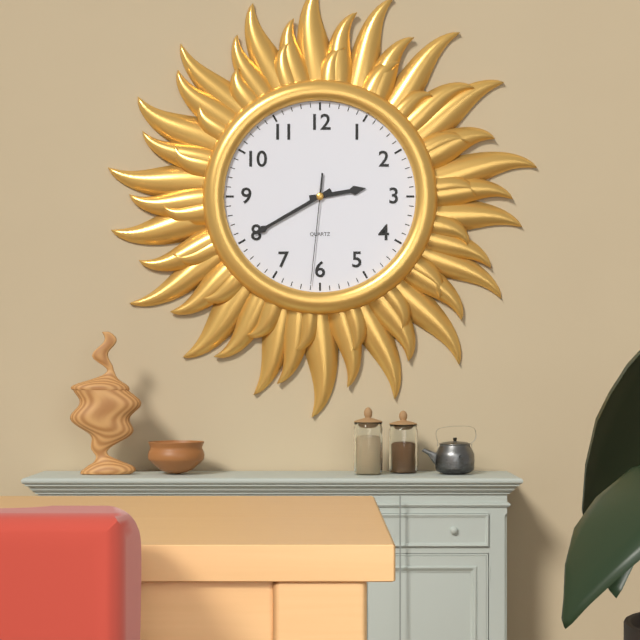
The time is 2:40:31
